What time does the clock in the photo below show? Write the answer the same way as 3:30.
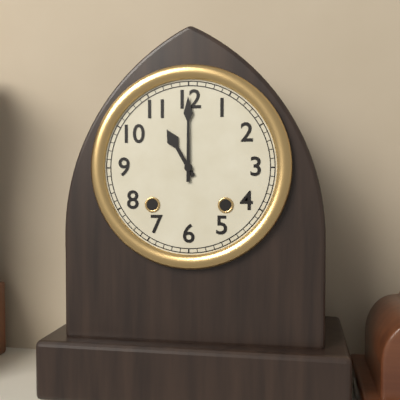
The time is 11:00
